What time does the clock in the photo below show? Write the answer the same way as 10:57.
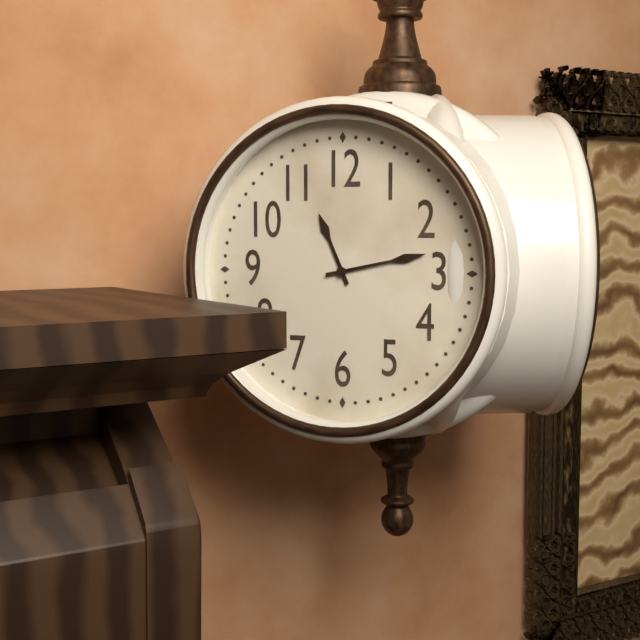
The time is 11:13
